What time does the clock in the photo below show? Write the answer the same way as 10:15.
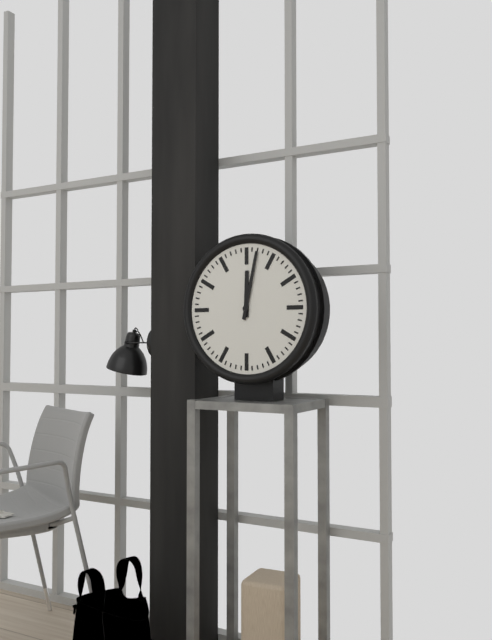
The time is 12:02
